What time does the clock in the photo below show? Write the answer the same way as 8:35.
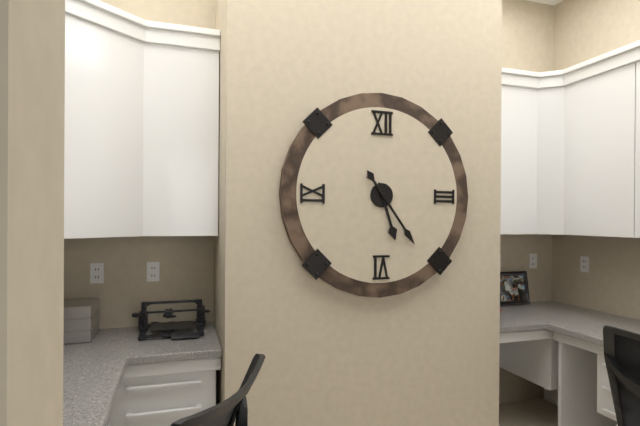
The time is 5:24
